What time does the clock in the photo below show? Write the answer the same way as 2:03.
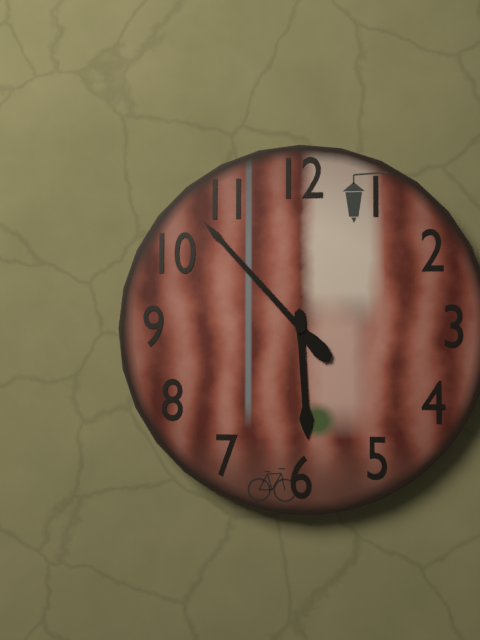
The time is 5:53
